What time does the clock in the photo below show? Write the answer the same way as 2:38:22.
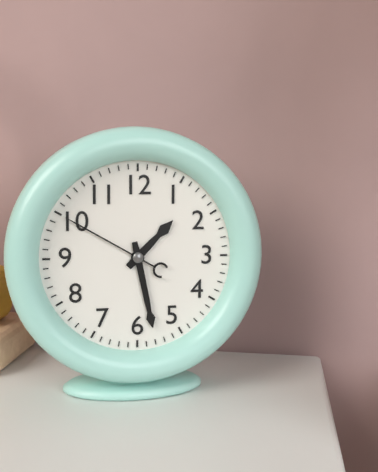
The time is 1:28:50
